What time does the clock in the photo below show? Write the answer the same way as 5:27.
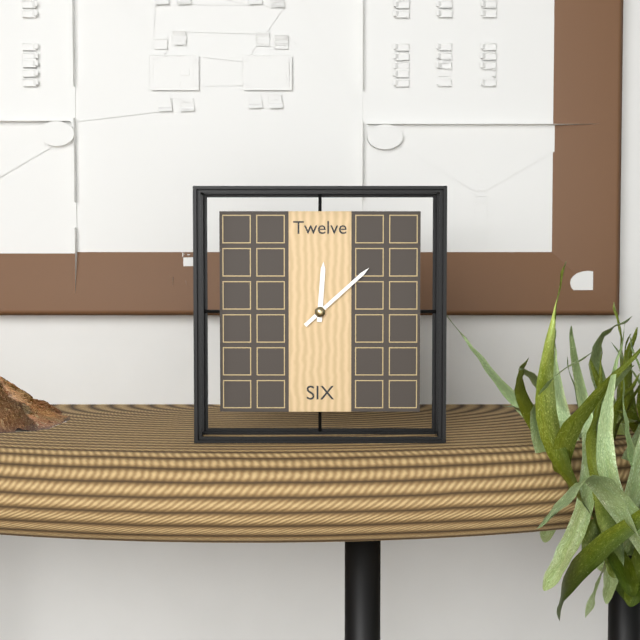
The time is 12:08
